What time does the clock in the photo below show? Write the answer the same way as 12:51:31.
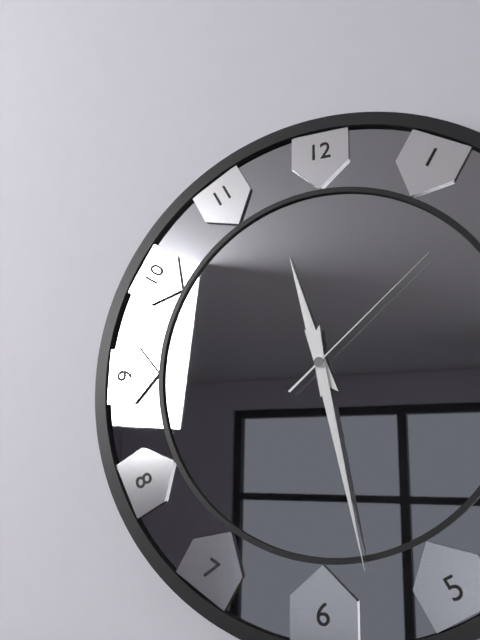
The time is 11:28:08
